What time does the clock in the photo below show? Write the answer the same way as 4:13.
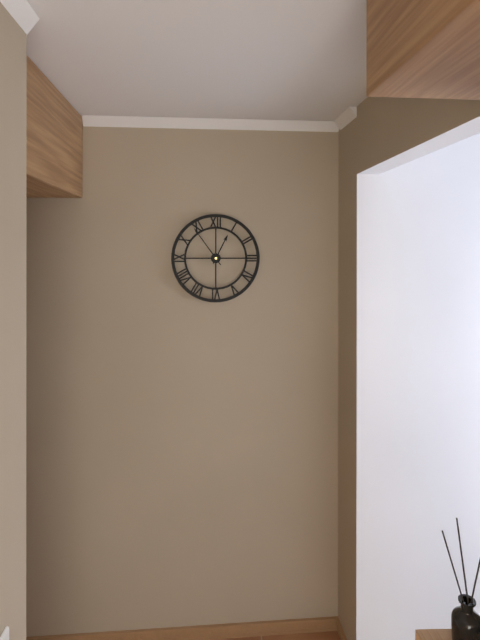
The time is 12:54
